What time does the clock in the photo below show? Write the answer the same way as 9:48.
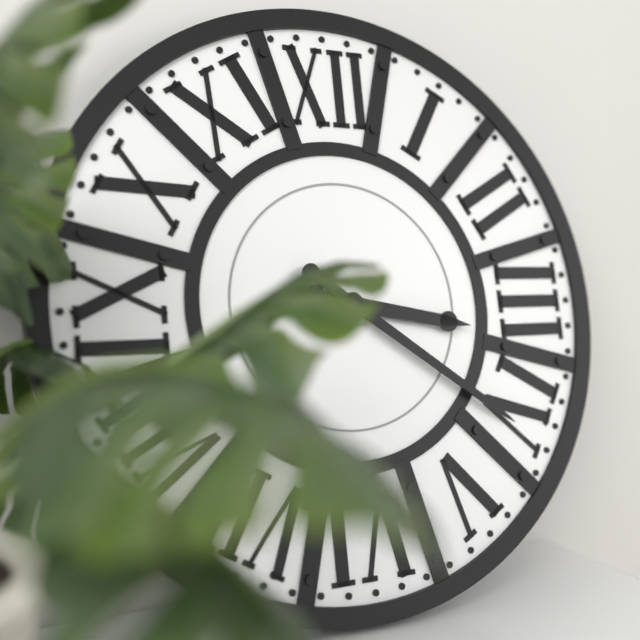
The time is 3:21
